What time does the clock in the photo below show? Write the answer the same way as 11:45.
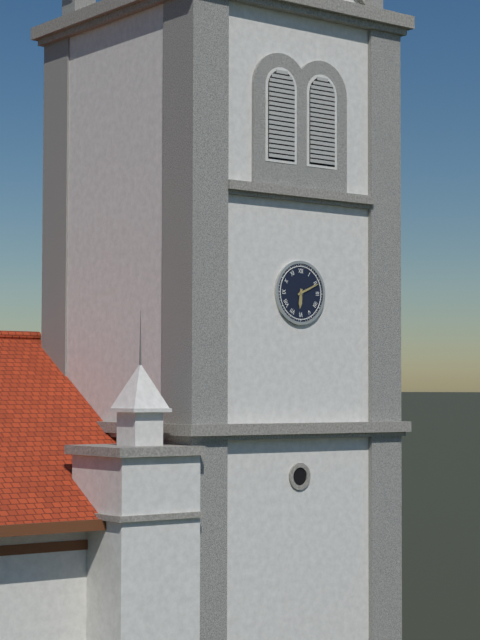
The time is 6:11
